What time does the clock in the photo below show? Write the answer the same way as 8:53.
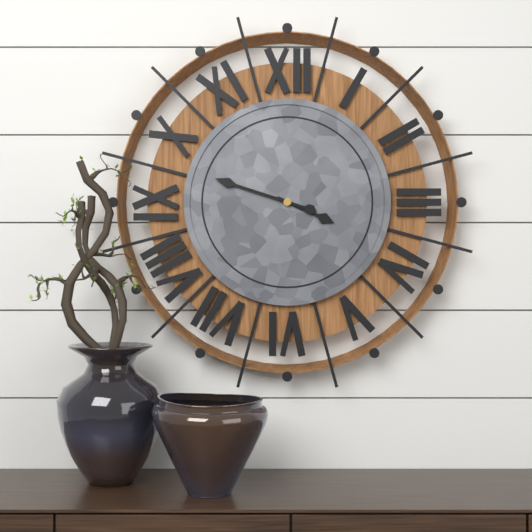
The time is 3:48
